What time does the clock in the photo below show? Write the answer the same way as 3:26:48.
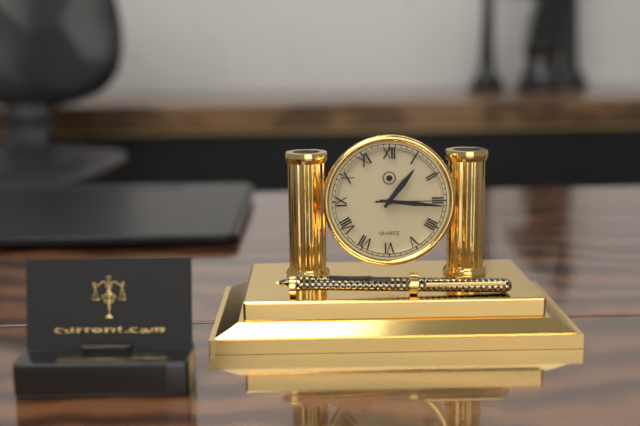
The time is 1:16:15
